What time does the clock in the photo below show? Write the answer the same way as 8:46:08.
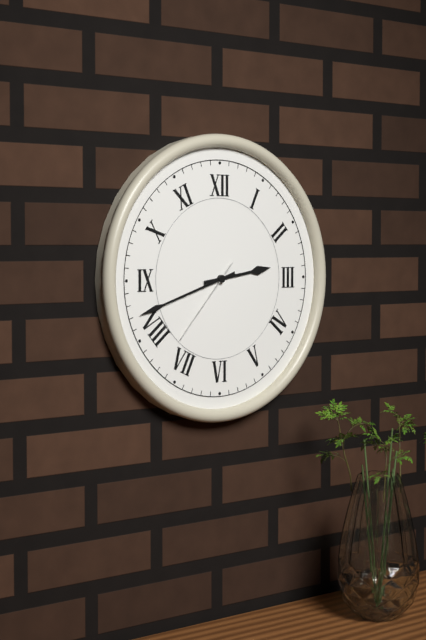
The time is 2:42:37
